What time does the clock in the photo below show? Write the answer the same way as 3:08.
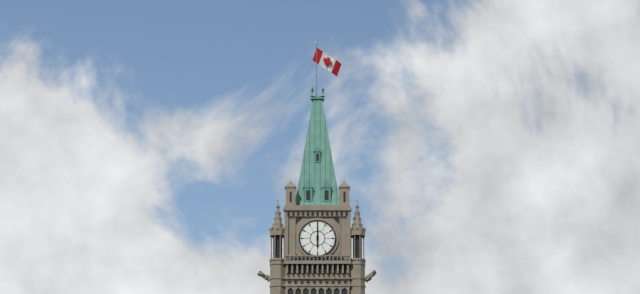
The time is 6:00
